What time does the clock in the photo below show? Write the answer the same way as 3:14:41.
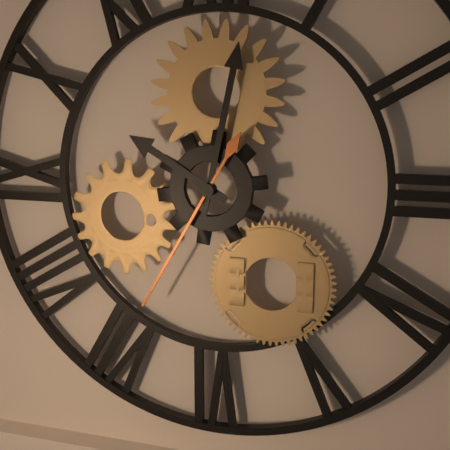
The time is 10:02:35
